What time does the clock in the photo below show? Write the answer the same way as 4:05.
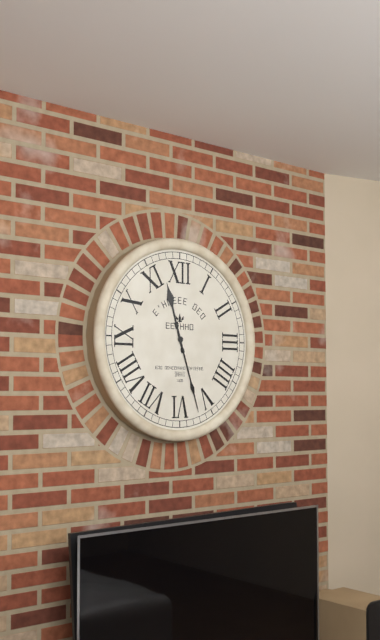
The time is 11:27
